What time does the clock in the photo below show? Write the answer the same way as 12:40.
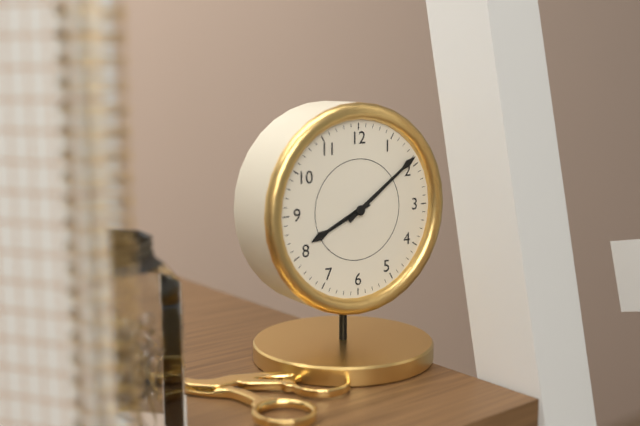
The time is 8:09
